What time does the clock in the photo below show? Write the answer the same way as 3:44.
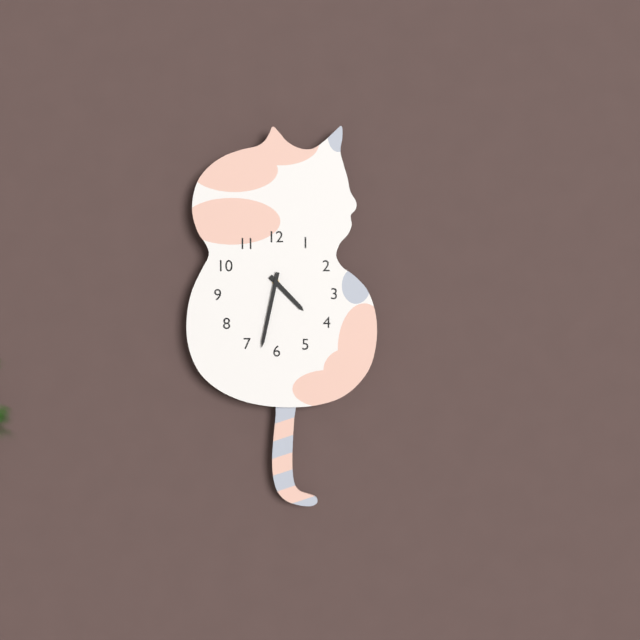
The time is 4:32
